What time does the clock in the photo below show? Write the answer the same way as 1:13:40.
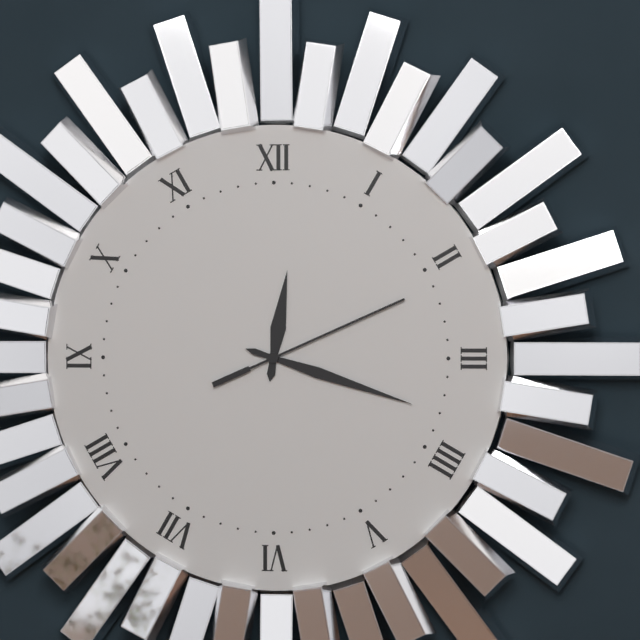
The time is 12:18:11
